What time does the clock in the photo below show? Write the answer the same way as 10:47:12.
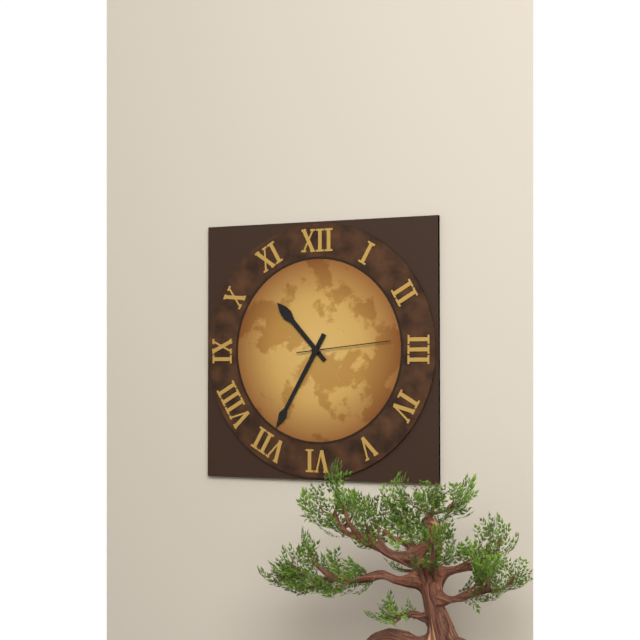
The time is 10:35:14
